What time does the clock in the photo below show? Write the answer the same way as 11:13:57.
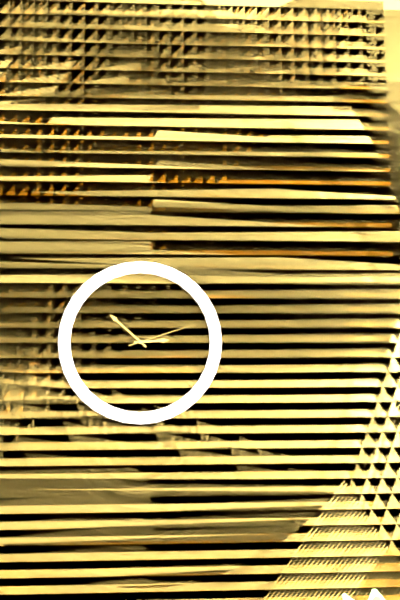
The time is 2:52:12
